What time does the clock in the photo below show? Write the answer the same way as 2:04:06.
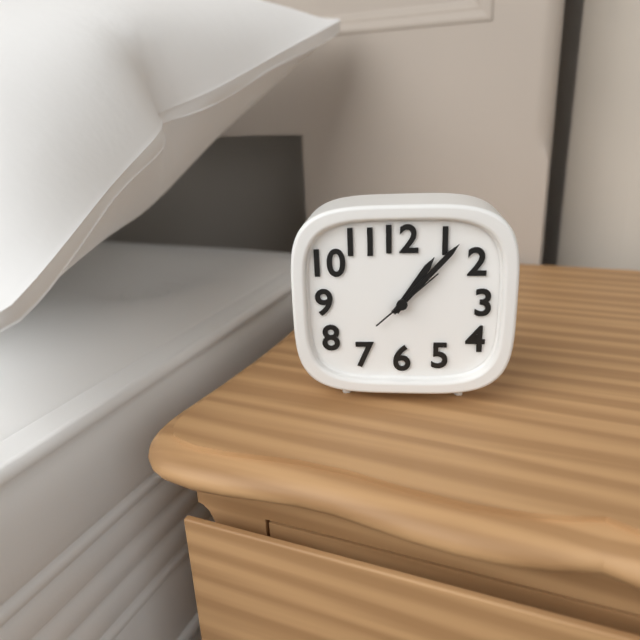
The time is 1:07:08
